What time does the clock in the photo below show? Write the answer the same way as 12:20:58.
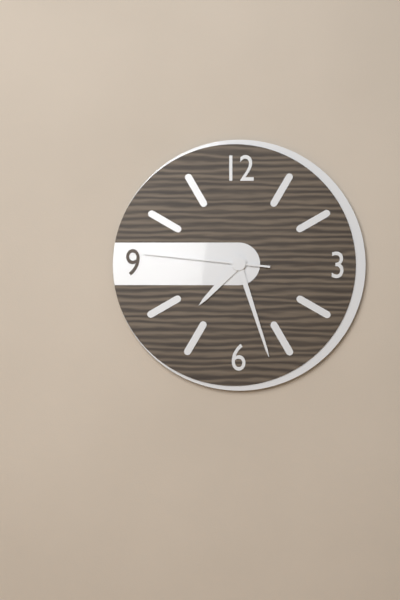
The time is 7:27:46
